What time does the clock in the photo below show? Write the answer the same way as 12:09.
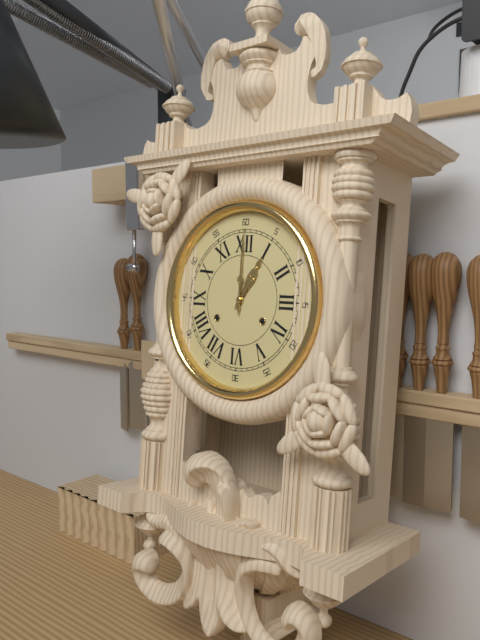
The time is 1:00
